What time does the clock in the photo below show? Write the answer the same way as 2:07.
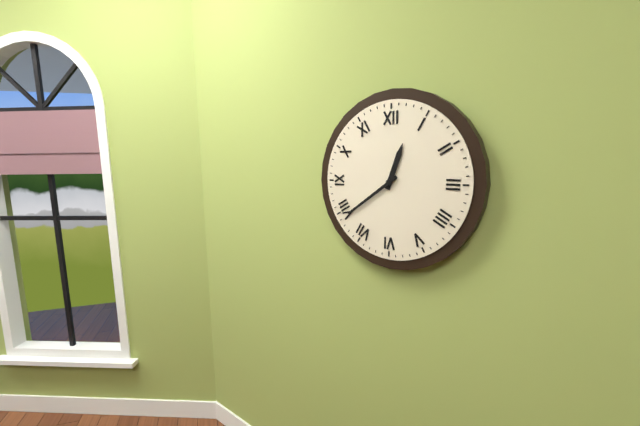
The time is 12:39
